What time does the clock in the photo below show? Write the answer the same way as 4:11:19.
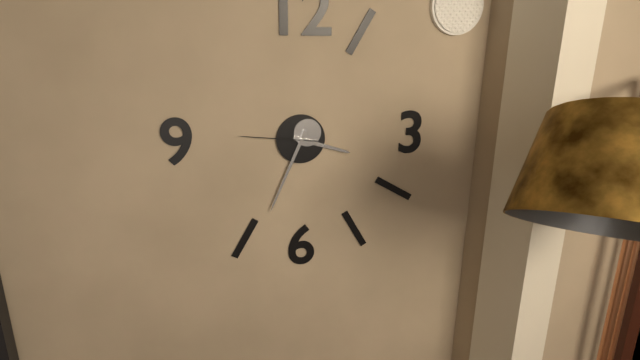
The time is 3:34:46
